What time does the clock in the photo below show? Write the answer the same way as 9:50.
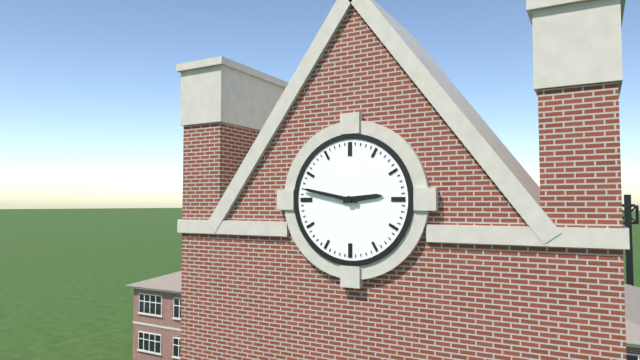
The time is 2:47
